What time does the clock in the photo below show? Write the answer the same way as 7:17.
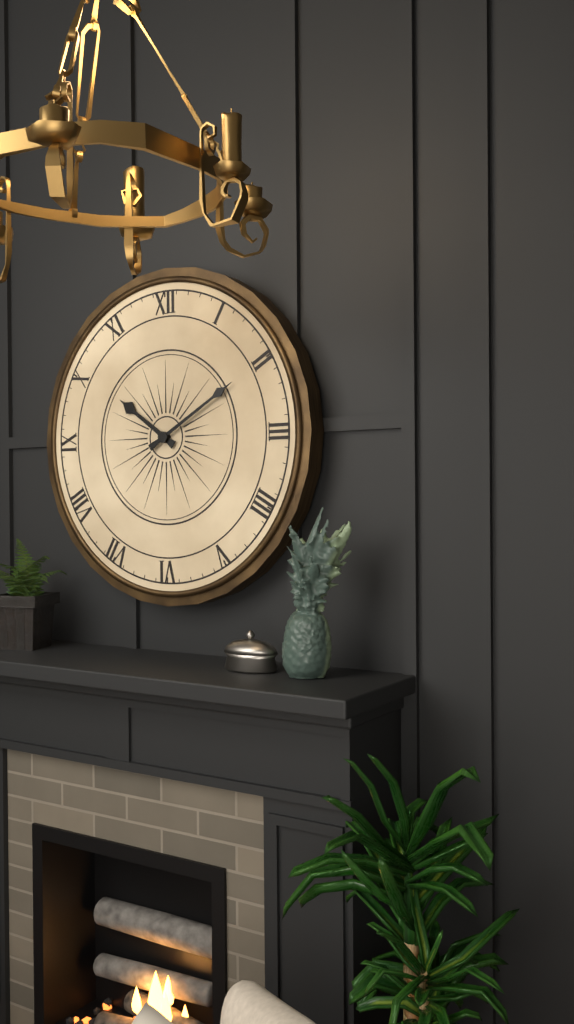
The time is 10:10
